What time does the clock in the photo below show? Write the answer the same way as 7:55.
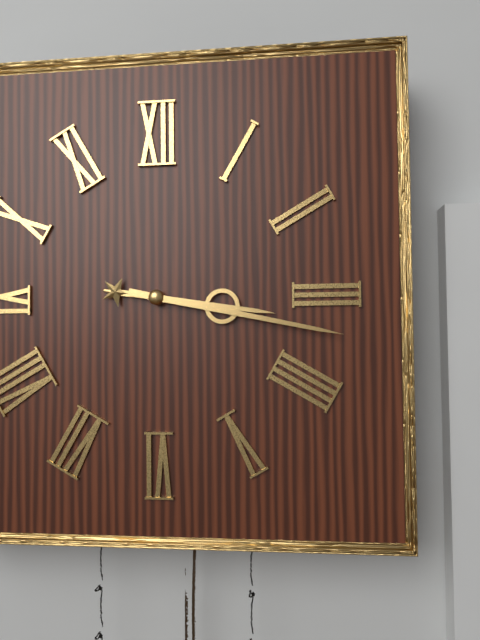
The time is 3:17
